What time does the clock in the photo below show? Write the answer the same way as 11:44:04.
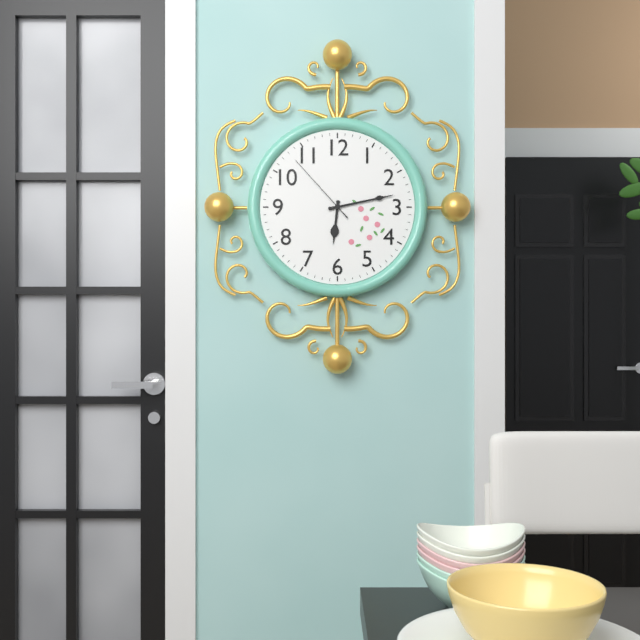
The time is 6:13:53
